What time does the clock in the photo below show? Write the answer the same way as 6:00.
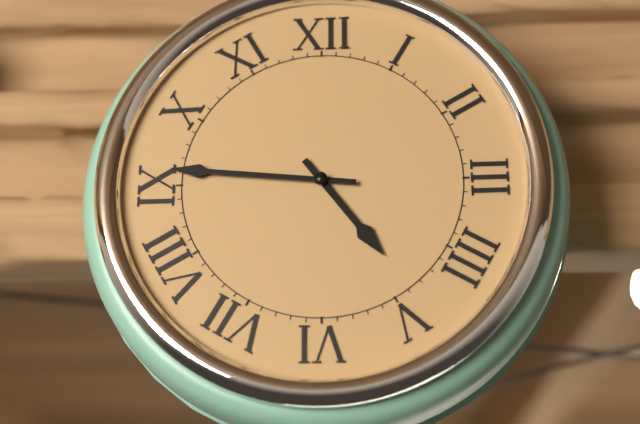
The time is 4:46
